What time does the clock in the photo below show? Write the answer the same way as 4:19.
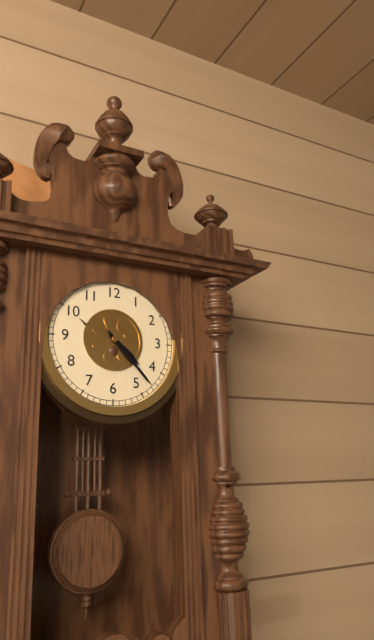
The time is 4:23
